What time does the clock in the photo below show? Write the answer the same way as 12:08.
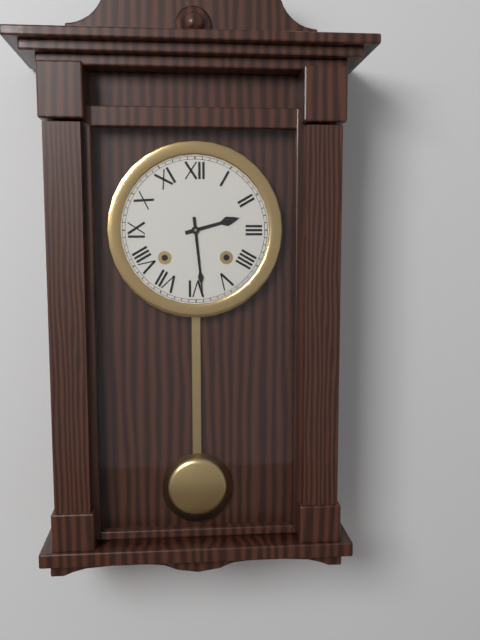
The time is 2:29
